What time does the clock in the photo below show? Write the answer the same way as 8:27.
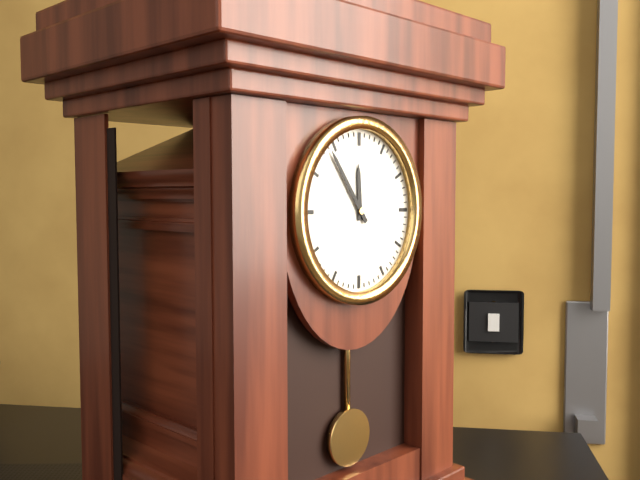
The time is 11:54
